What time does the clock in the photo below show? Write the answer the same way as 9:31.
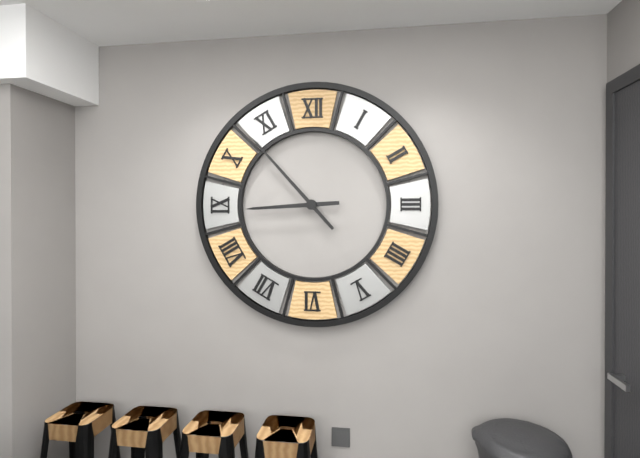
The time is 8:53
